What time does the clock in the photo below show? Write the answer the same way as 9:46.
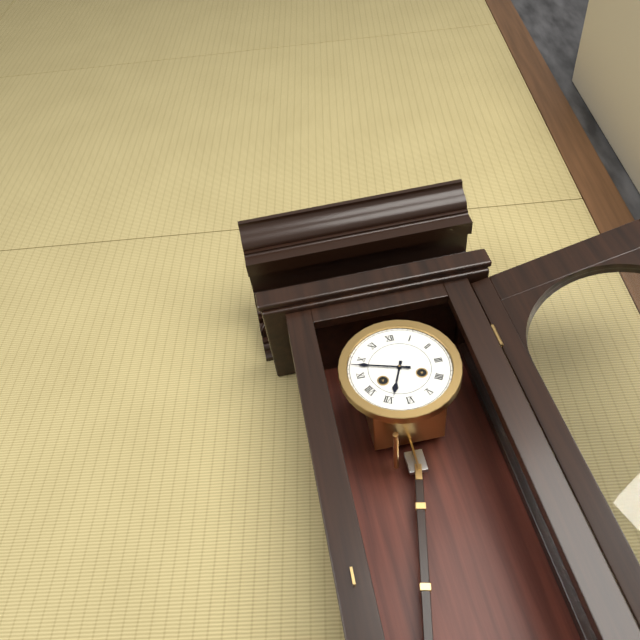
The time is 6:48
